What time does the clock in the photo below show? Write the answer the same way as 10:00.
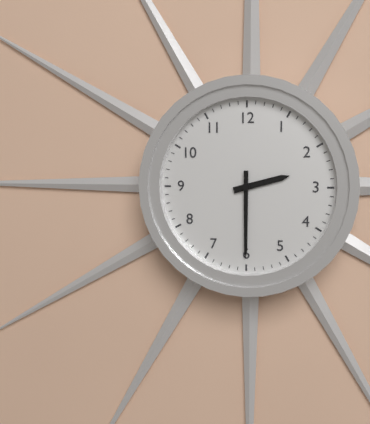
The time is 2:30
